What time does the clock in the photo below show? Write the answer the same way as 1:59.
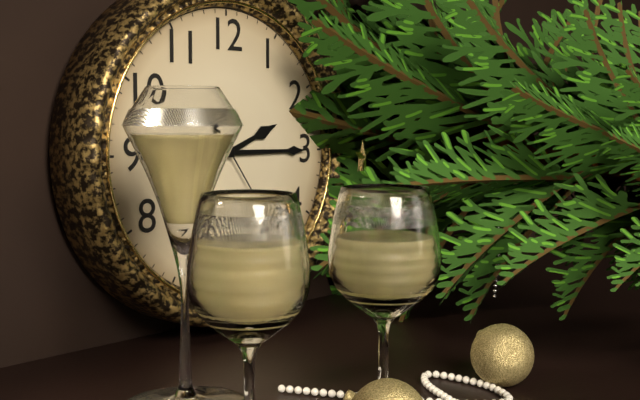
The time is 2:15
